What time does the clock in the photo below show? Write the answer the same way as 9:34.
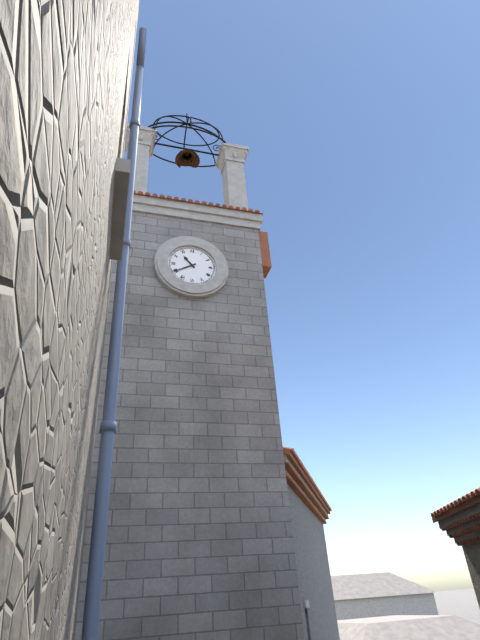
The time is 10:40
